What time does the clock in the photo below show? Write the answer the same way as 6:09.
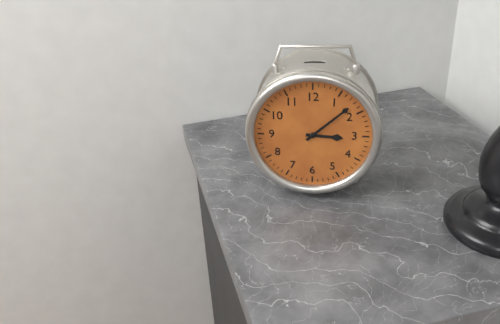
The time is 3:08
